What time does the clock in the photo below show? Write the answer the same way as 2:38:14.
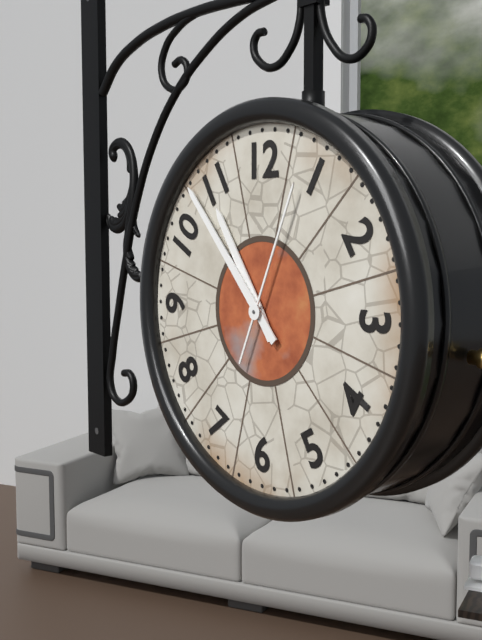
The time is 10:53:04
